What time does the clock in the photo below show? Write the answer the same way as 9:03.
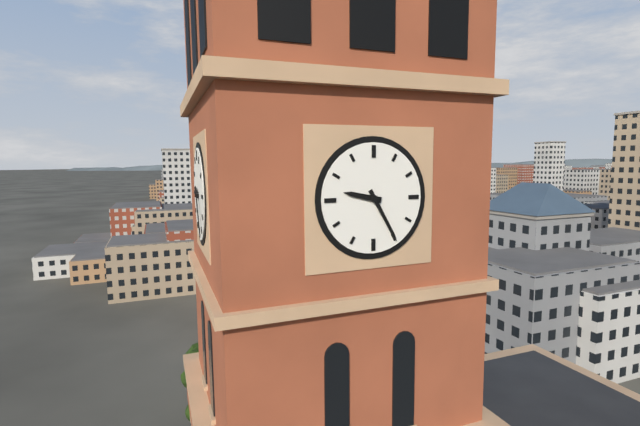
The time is 9:25
